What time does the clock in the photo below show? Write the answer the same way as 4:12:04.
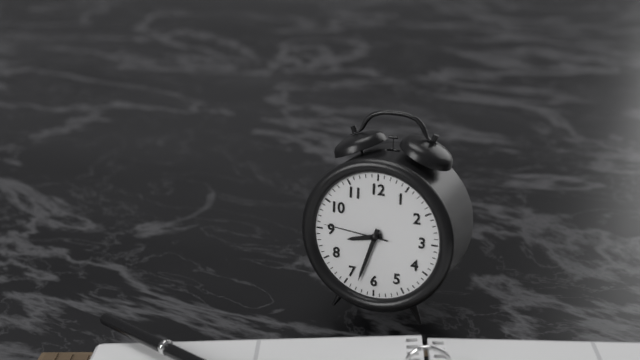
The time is 8:33:46
